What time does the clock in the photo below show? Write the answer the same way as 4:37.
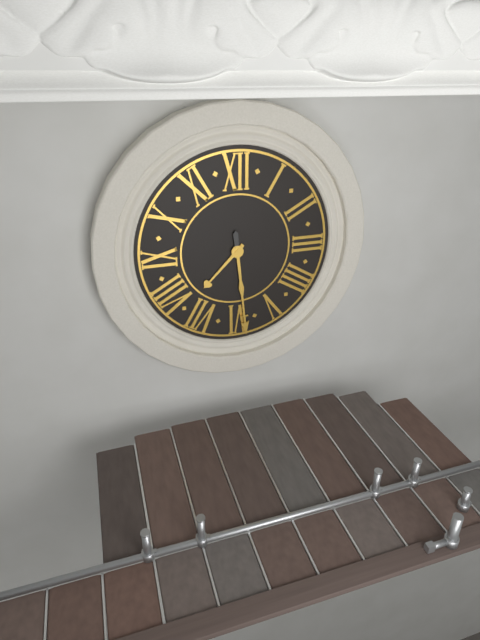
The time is 7:29
